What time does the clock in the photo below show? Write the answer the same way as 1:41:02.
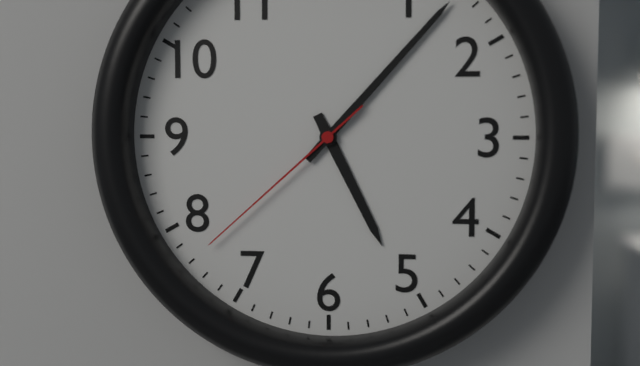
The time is 5:07:38
